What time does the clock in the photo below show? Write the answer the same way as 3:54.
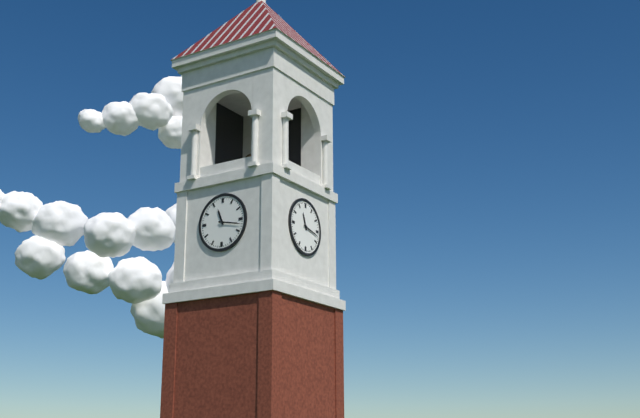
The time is 11:17
